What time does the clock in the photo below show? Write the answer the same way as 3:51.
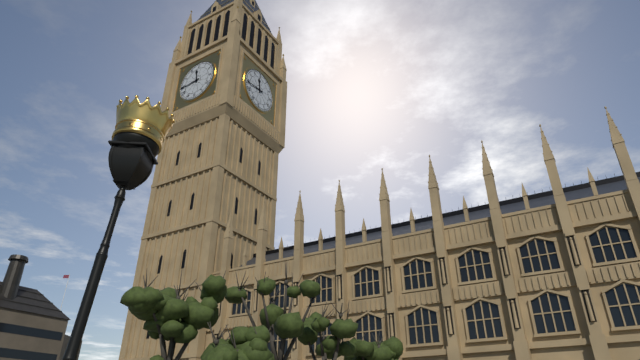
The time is 11:44
